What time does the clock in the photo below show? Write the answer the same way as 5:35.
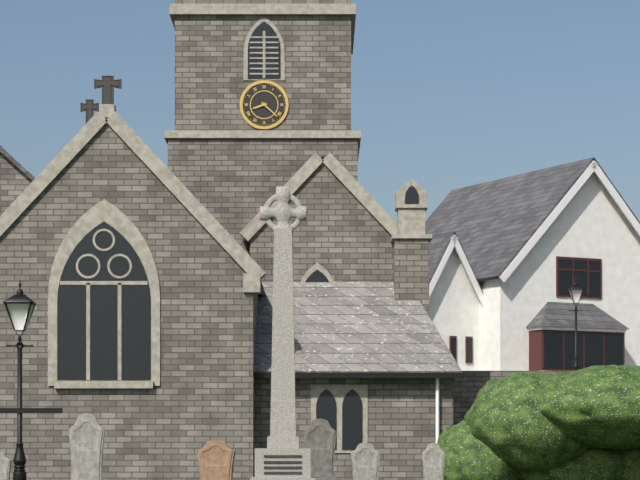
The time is 8:22
